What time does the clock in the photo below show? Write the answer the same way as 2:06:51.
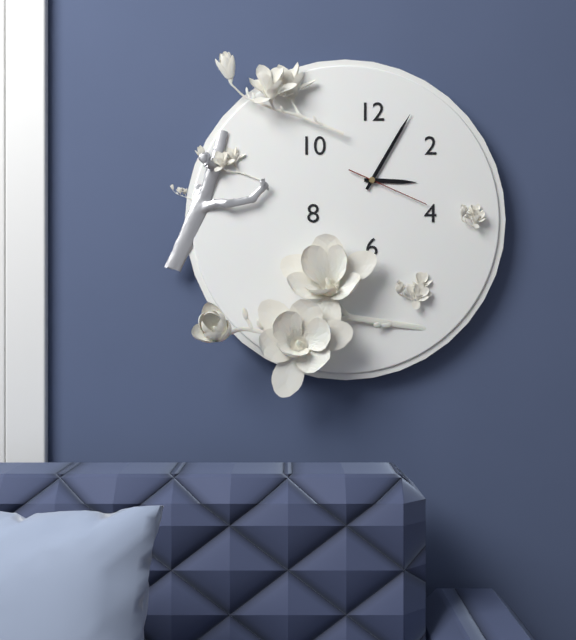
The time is 3:05:19
